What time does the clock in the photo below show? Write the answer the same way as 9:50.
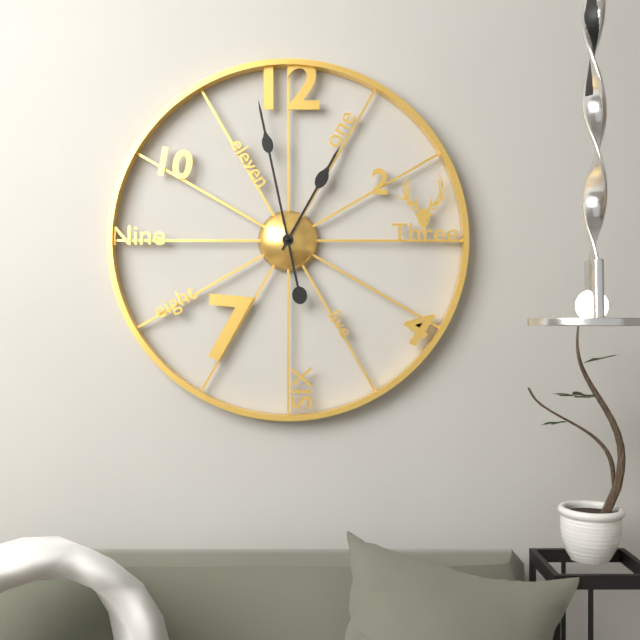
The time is 12:58
